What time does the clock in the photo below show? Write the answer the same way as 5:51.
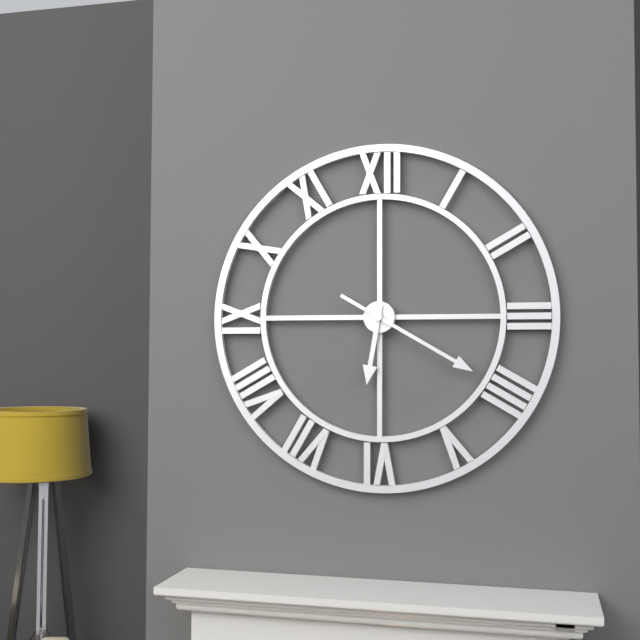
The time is 6:20
